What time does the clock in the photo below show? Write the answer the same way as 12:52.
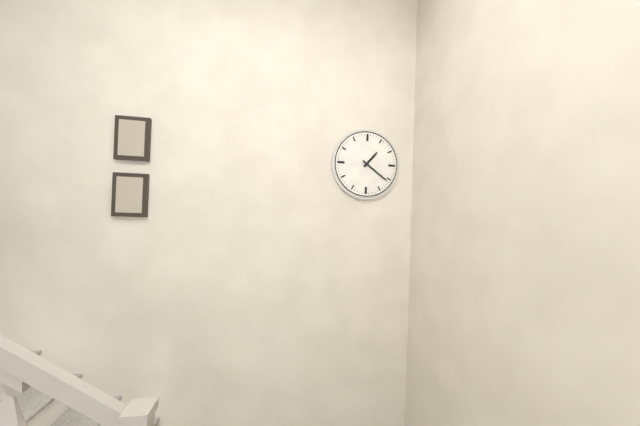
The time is 1:21
